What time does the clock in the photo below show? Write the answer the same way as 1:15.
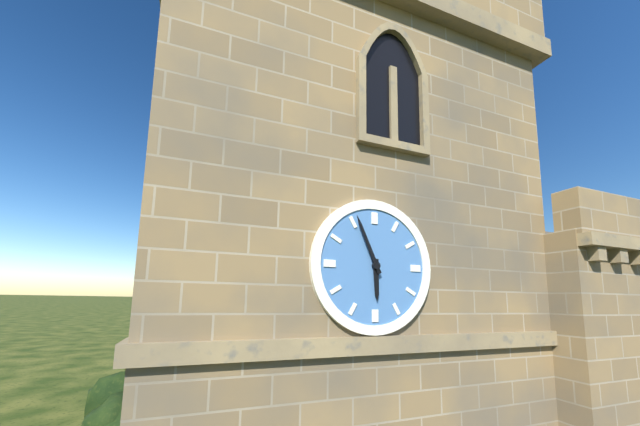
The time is 5:56
